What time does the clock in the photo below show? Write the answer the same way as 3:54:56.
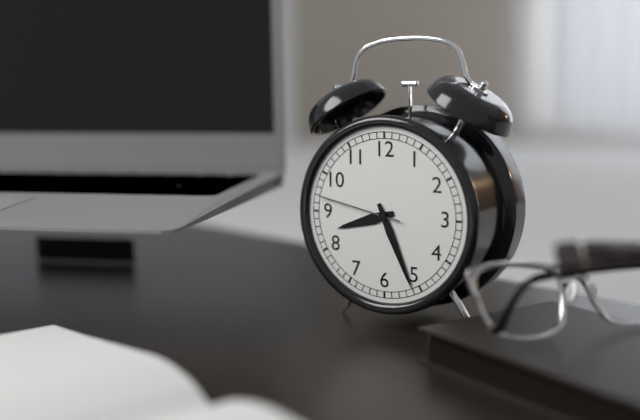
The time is 8:26:47
